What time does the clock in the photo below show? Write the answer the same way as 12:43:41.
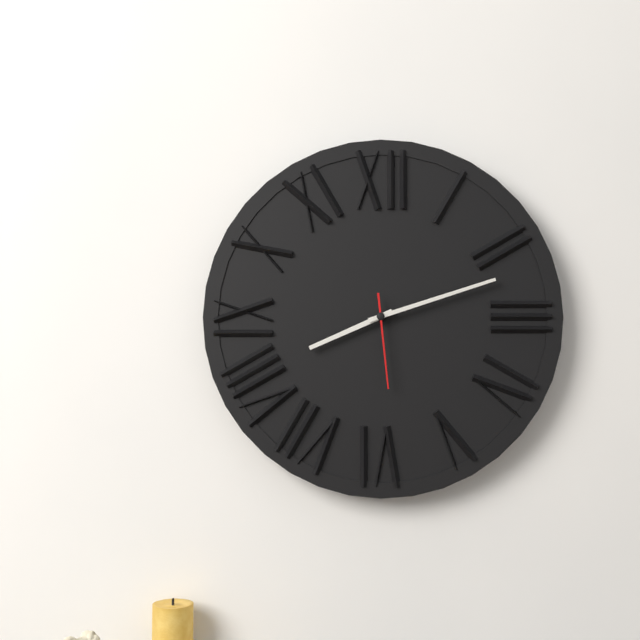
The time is 8:12:29
